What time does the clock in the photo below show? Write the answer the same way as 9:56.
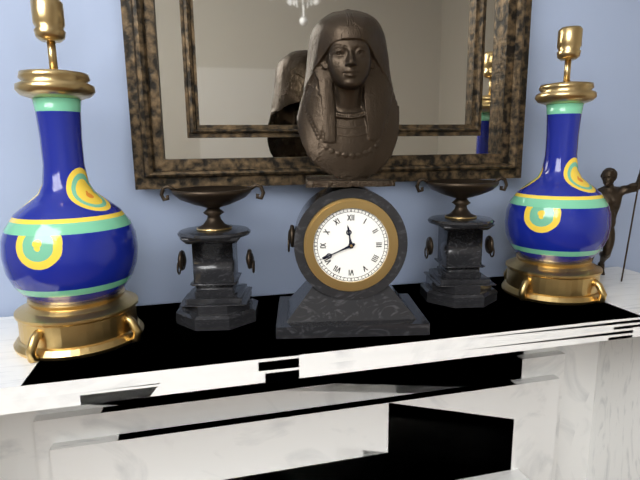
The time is 11:41
